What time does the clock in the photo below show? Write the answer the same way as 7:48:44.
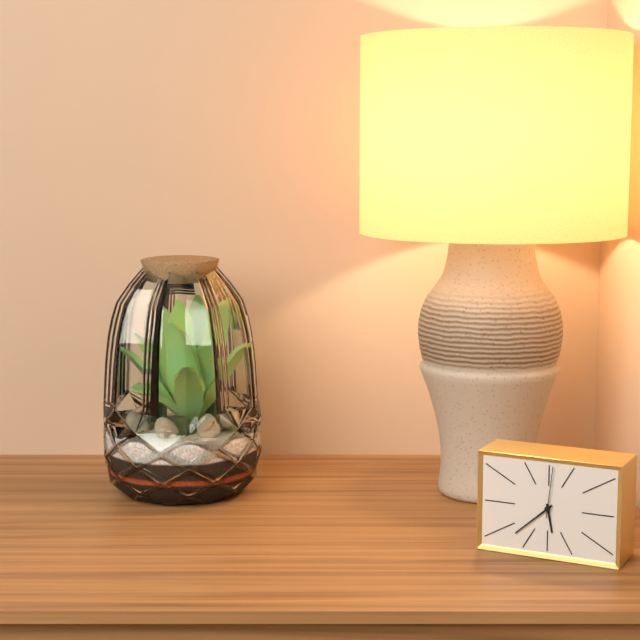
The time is 5:38:01
